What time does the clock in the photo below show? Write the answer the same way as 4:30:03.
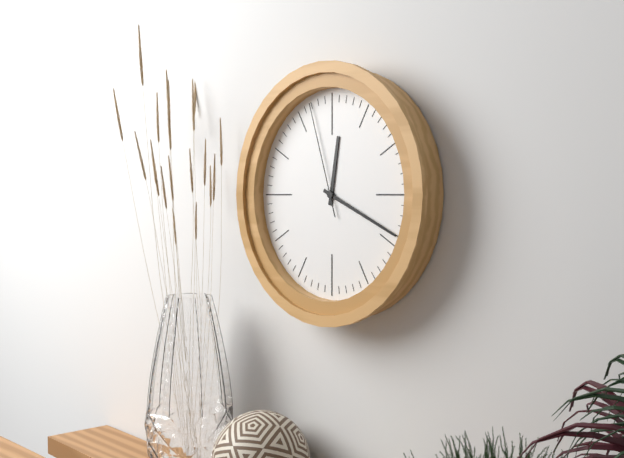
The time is 12:19:57
